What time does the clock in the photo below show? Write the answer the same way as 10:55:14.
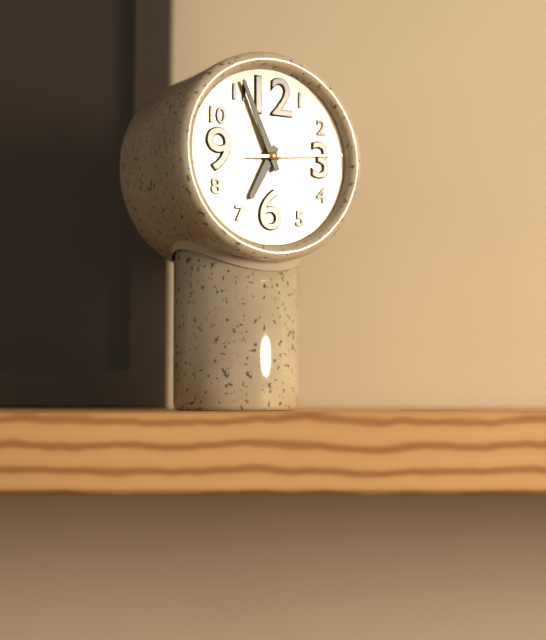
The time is 6:56:14
